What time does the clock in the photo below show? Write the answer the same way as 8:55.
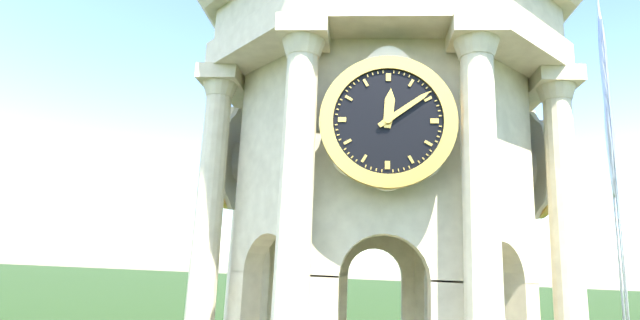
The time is 12:09
